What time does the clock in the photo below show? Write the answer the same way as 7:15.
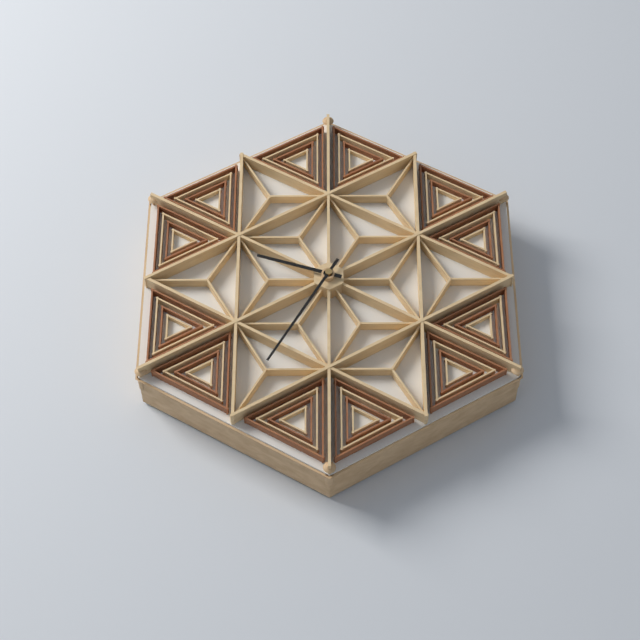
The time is 9:35
